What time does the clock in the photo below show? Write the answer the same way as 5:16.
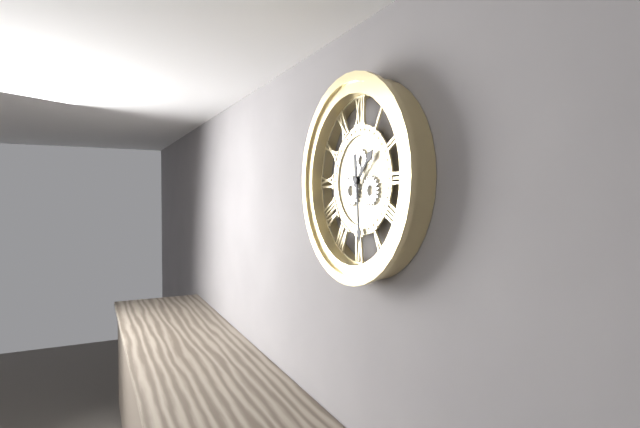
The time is 1:29
